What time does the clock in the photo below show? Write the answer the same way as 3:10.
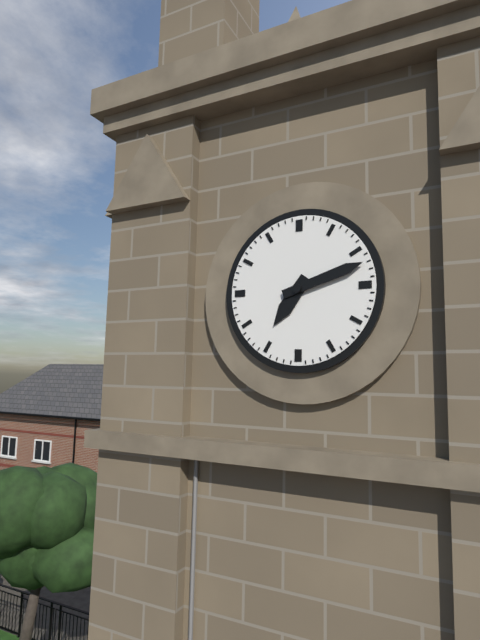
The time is 7:12
